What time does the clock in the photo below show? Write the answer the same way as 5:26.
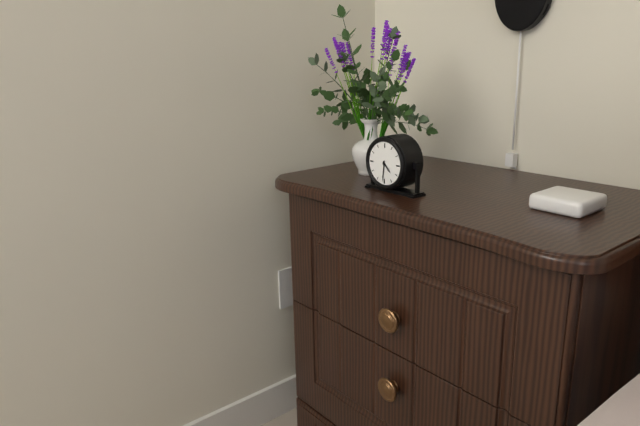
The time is 4:31
